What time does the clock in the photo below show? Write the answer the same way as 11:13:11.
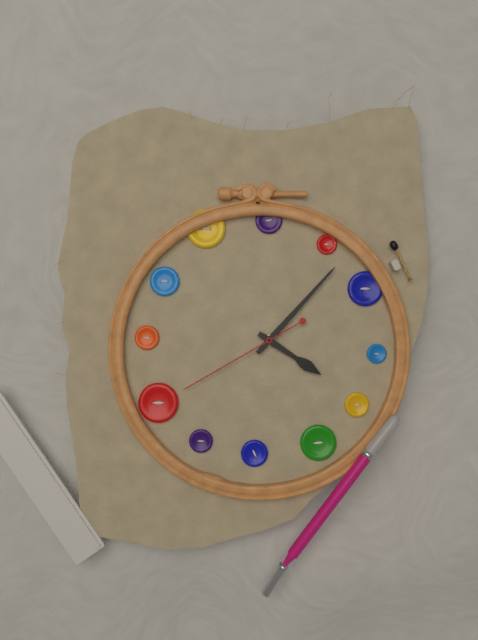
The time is 4:07:40
